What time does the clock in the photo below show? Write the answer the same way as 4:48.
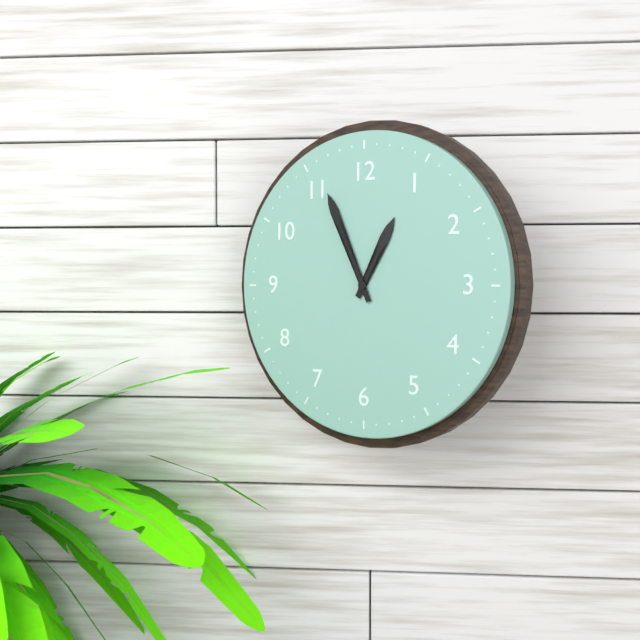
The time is 12:56
